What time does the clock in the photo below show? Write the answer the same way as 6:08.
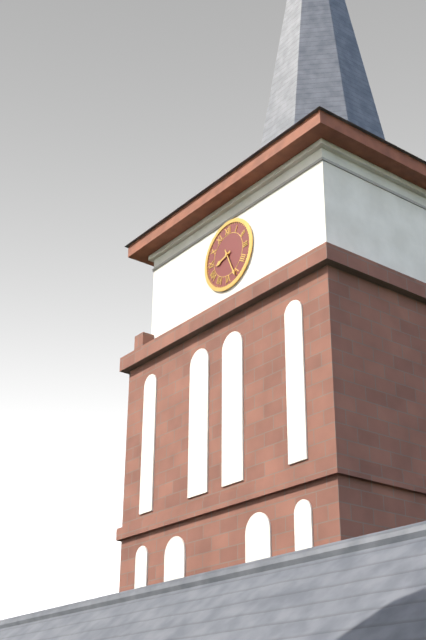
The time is 8:26
